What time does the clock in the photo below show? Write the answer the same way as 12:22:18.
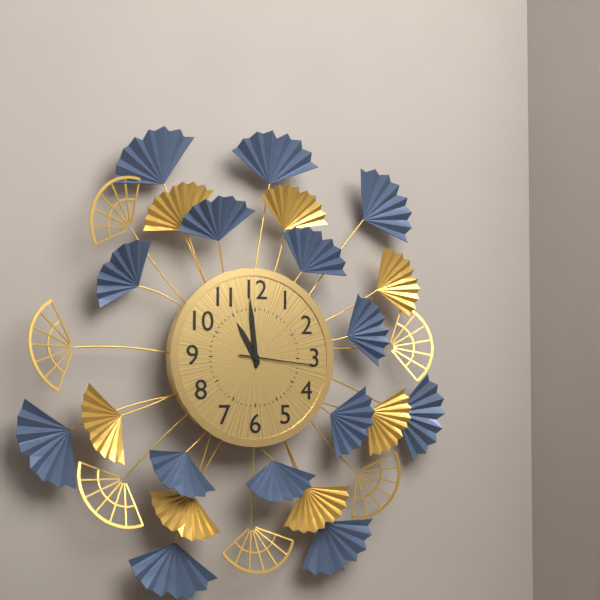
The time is 10:59:16
